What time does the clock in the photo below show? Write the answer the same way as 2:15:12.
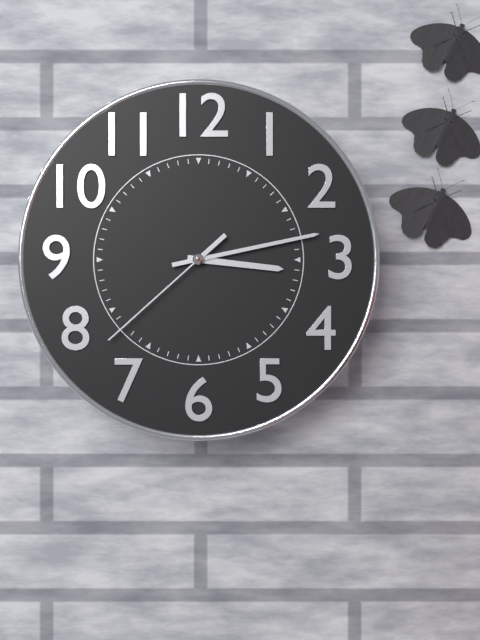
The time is 3:13:38
